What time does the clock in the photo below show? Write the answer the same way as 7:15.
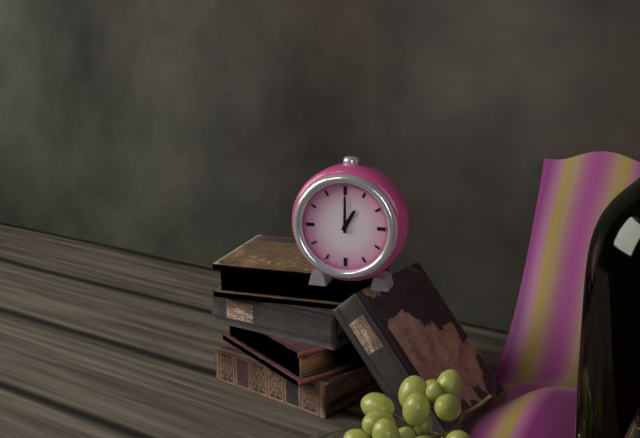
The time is 1:00
